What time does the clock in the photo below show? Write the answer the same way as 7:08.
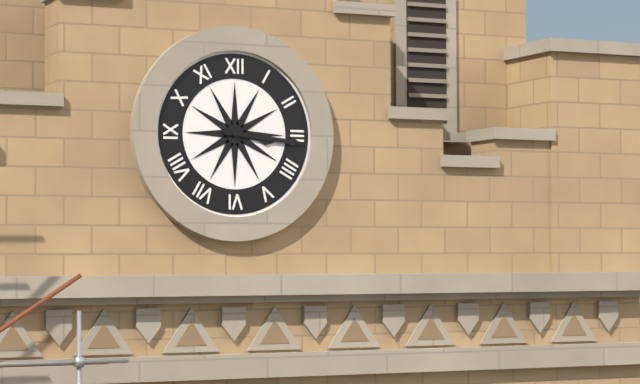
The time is 3:16
